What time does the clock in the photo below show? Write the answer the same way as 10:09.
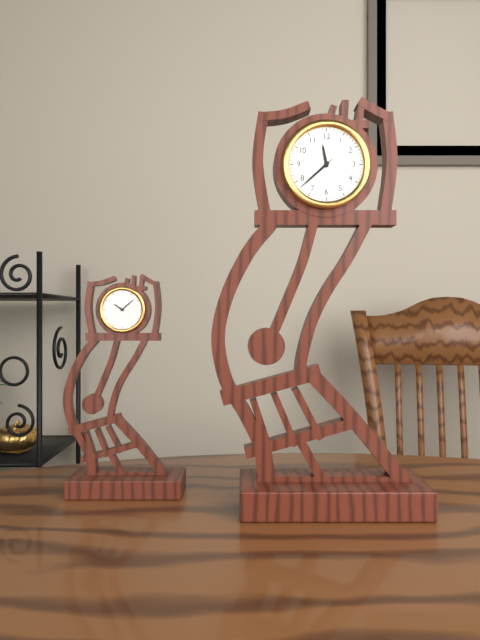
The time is 11:38
